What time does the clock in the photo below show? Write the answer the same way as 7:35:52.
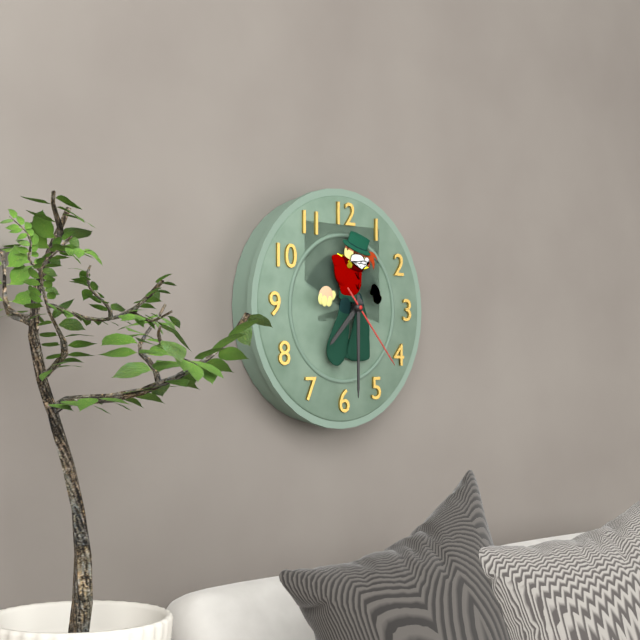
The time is 7:30:23
